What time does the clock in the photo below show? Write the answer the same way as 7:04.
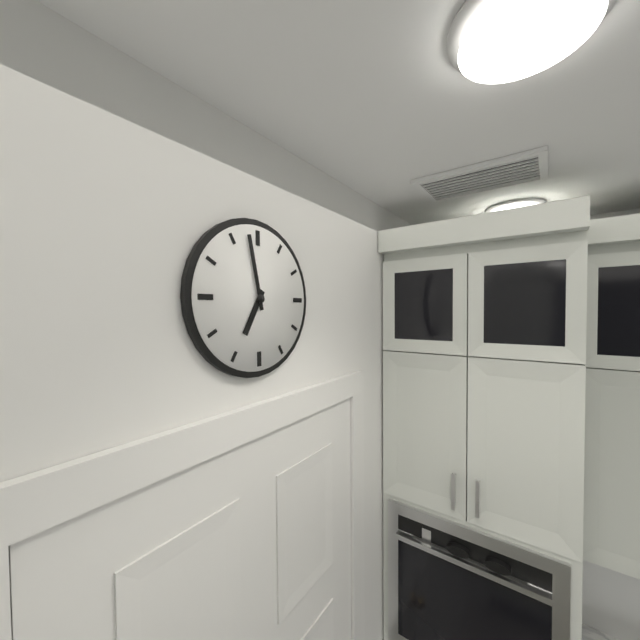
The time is 6:58
